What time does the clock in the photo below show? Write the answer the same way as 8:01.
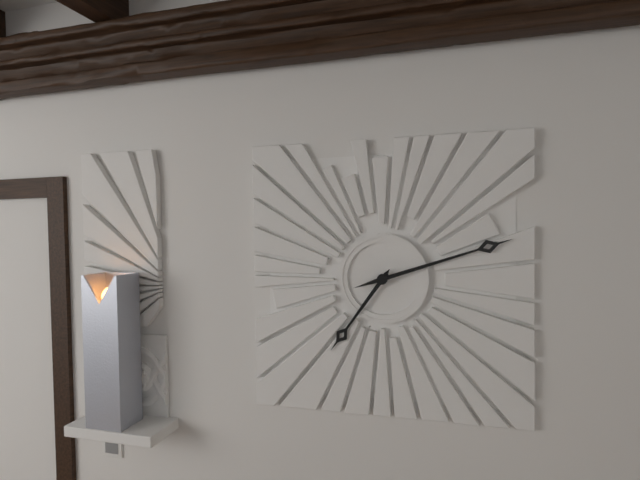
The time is 7:12
